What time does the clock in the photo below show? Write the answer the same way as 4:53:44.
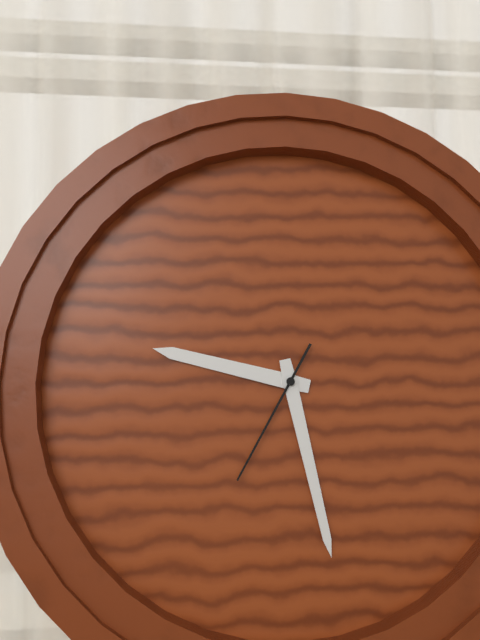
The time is 9:28:35
